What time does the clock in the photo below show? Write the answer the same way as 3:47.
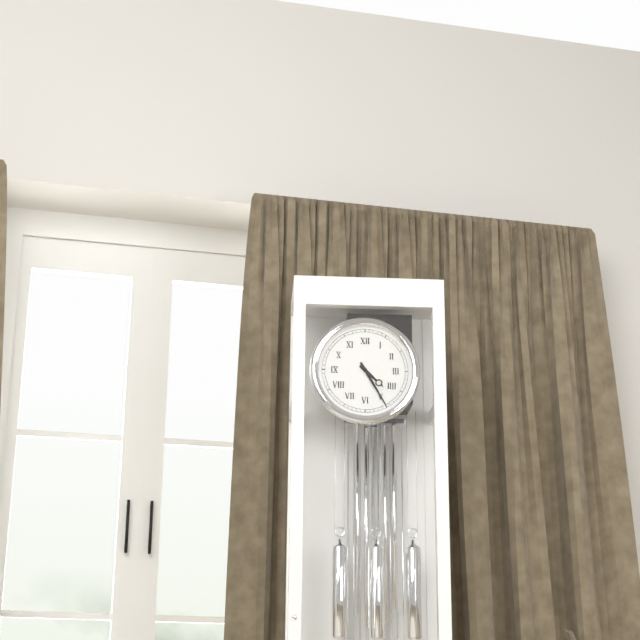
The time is 4:25
